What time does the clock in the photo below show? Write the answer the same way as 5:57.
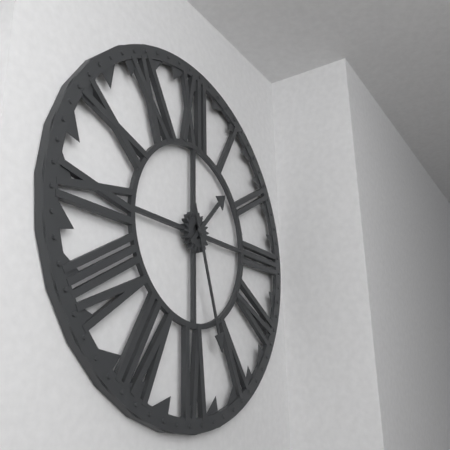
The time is 1:27
